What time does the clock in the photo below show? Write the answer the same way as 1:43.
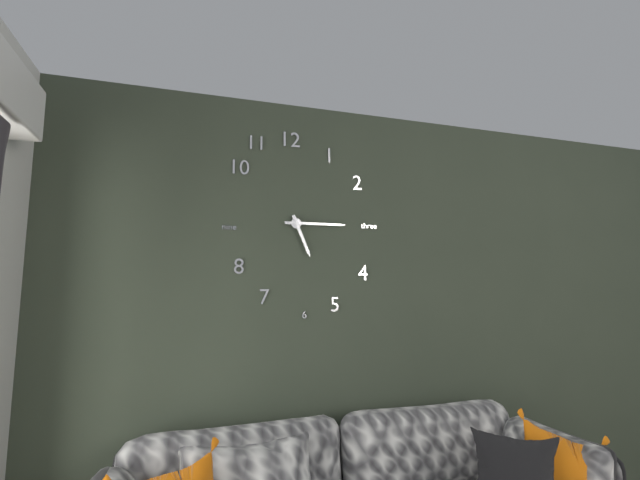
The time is 5:15
